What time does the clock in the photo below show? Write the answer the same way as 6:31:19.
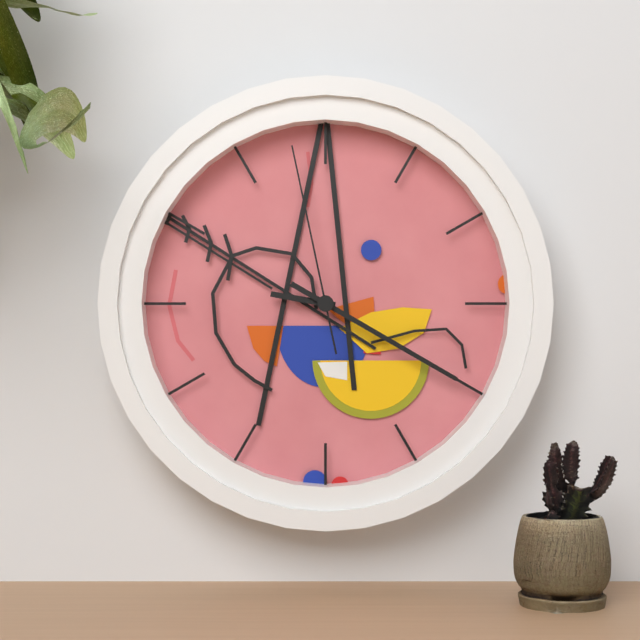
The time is 9:20:58
